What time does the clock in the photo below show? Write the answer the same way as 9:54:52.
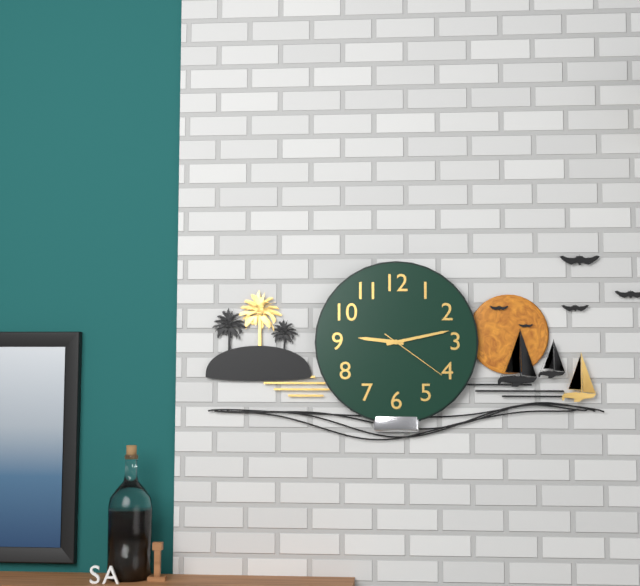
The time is 9:13:21
